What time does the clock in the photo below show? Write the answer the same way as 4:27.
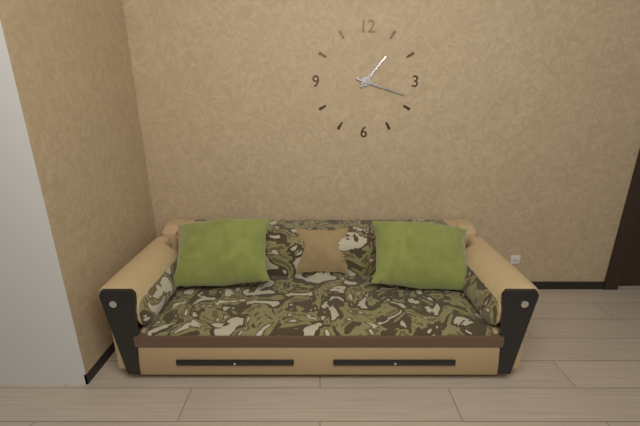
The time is 1:18
